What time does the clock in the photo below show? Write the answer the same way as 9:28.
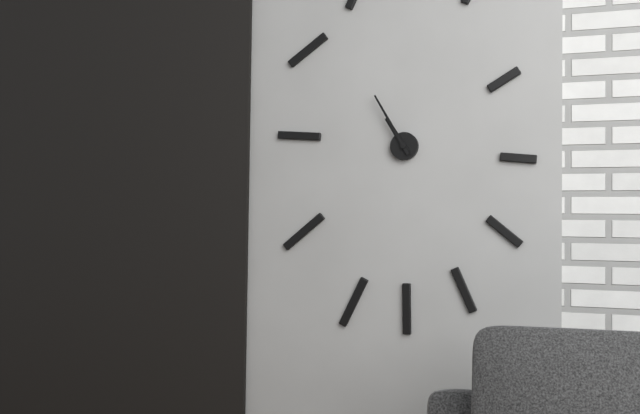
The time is 10:55
